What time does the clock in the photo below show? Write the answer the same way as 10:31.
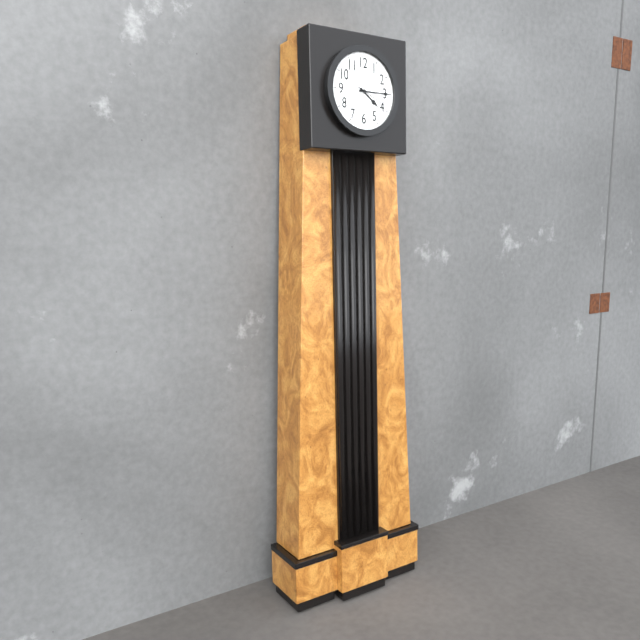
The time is 4:15
